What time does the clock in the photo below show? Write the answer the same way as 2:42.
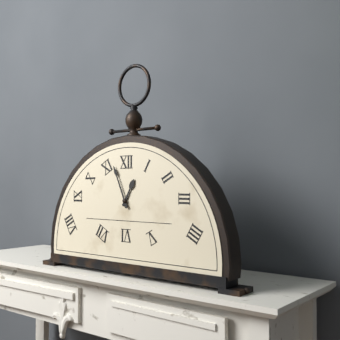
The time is 12:56
